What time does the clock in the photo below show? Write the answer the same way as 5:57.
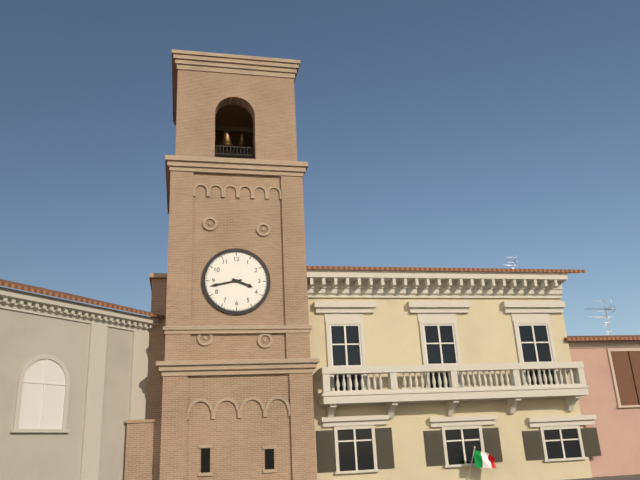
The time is 3:43
